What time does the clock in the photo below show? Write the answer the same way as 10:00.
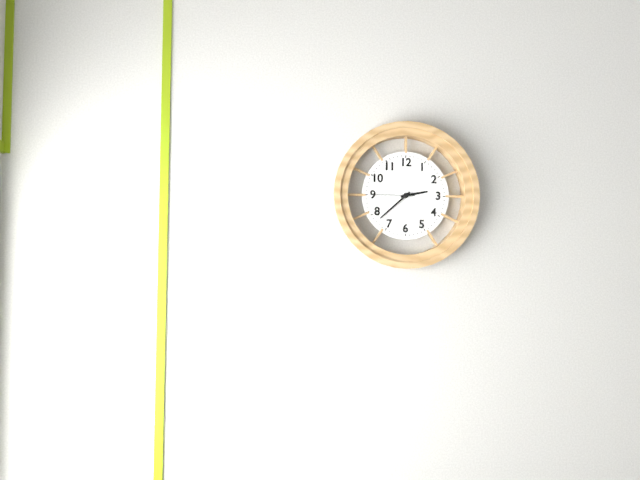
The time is 2:38
